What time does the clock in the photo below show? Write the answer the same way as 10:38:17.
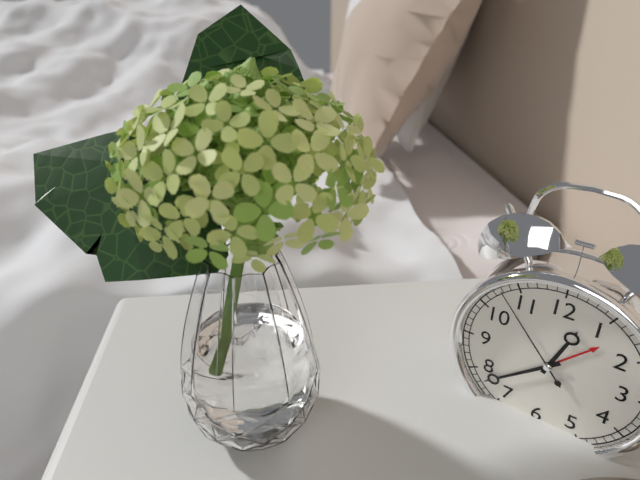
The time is 12:38:53
